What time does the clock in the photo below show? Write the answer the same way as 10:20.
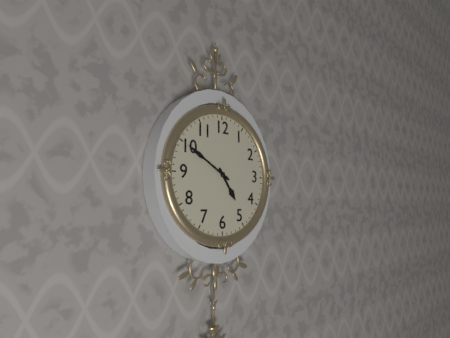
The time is 4:50
